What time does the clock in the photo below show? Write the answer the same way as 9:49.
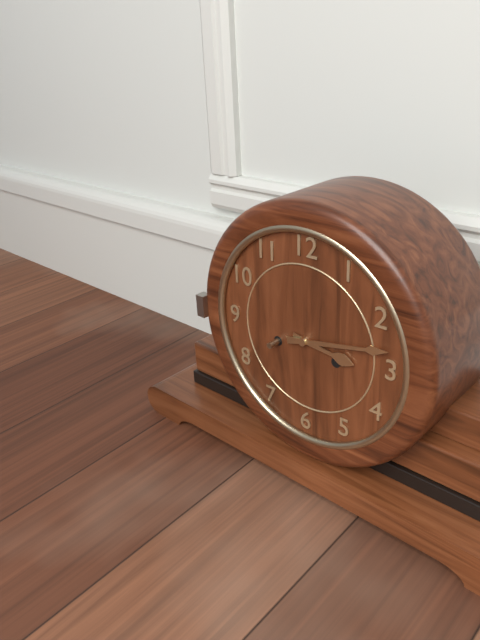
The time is 3:13
